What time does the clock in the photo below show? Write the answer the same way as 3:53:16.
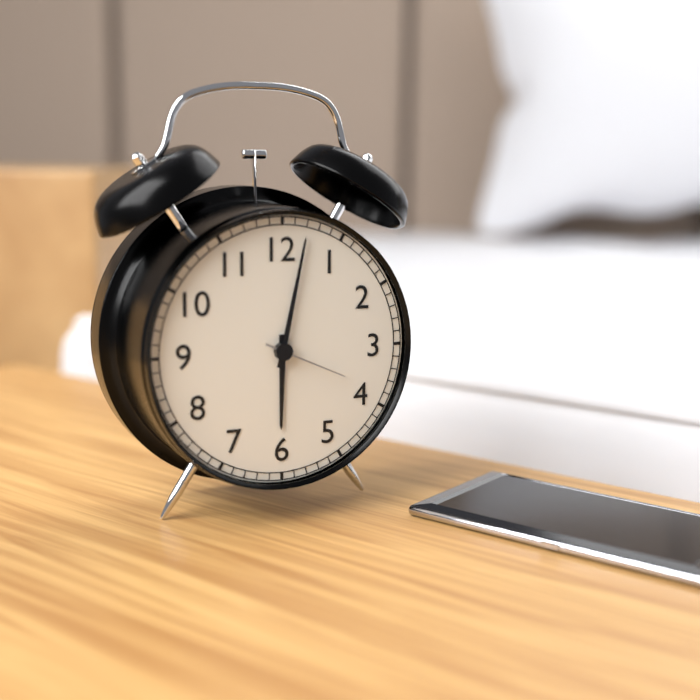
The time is 6:02:19
